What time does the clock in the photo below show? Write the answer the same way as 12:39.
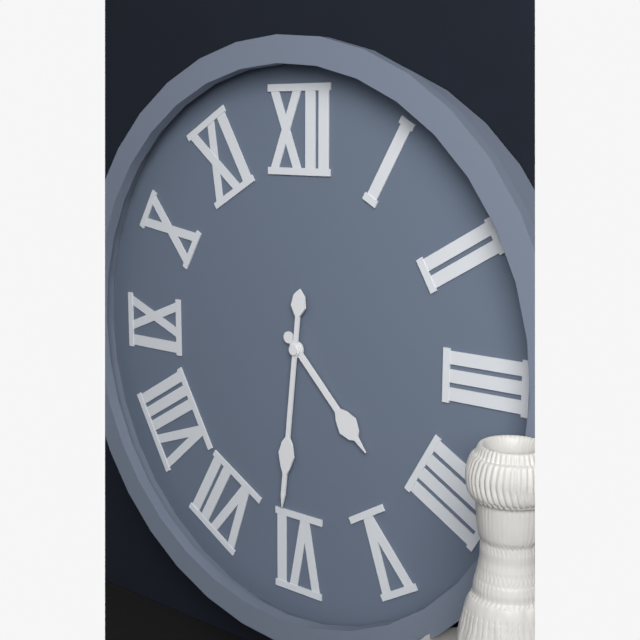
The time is 4:31
